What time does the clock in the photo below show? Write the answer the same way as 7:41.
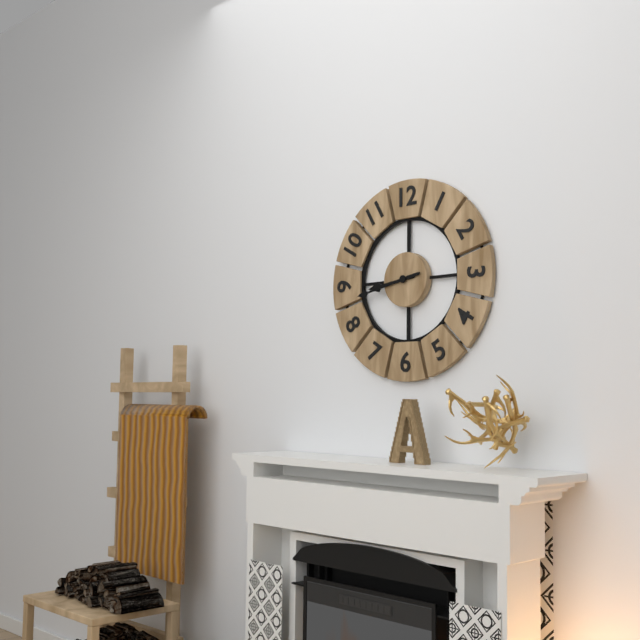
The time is 8:43
